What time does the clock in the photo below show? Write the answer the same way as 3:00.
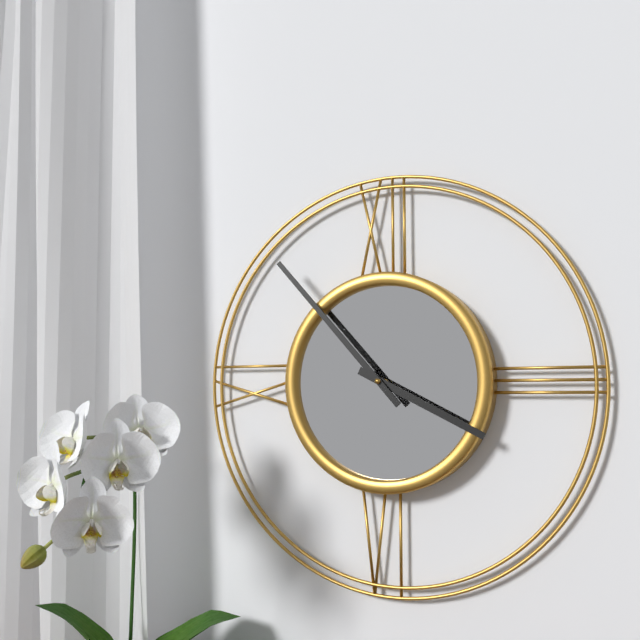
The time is 3:53
